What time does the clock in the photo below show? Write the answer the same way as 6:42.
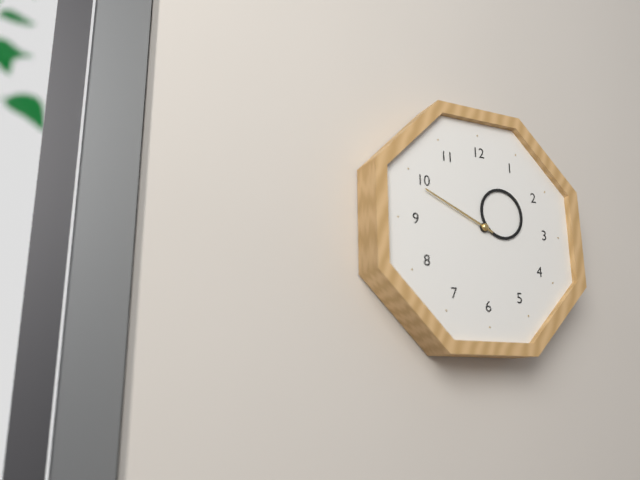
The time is 1:49
